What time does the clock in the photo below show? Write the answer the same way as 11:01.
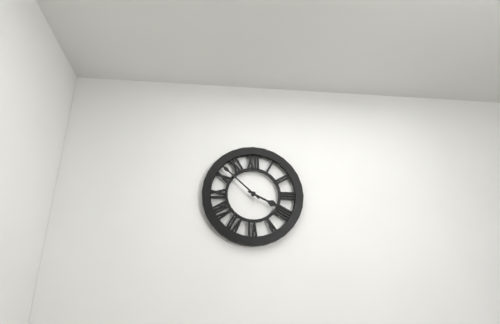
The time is 3:52
